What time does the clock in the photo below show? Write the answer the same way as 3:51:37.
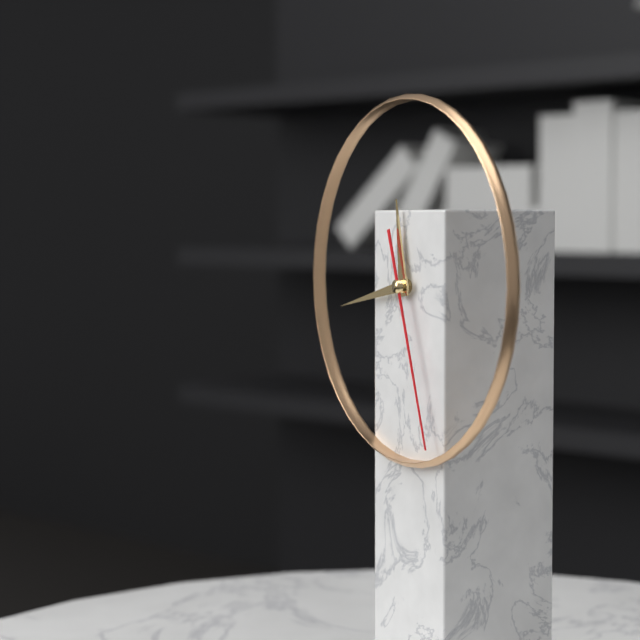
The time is 11:43:27
